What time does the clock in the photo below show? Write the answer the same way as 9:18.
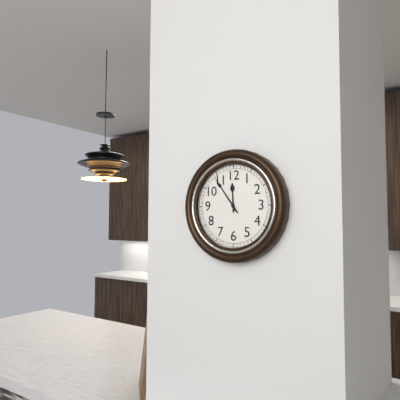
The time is 11:54
